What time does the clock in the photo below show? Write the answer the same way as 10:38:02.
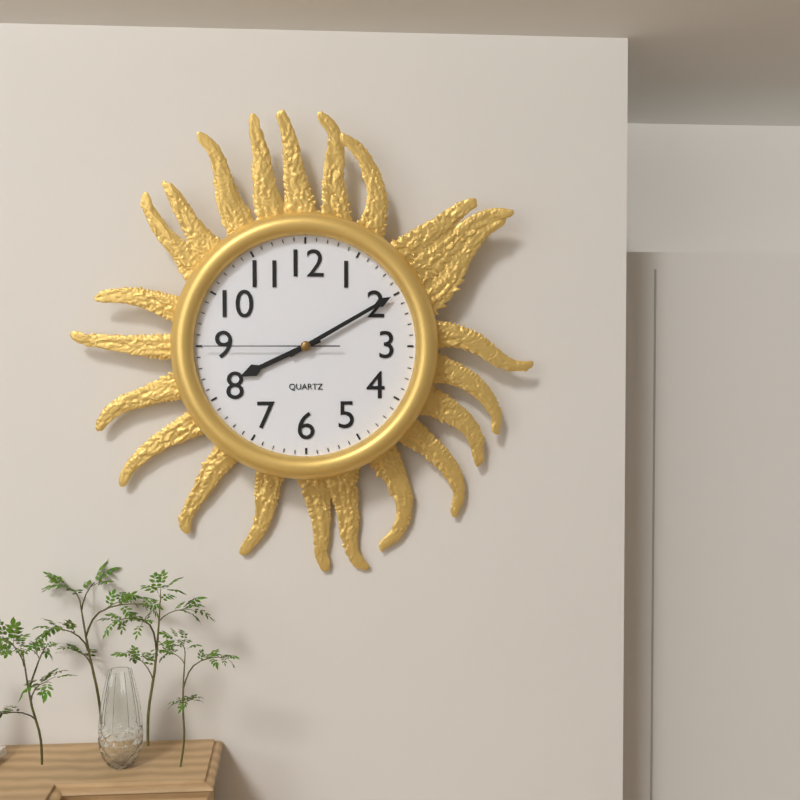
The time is 8:10:45
